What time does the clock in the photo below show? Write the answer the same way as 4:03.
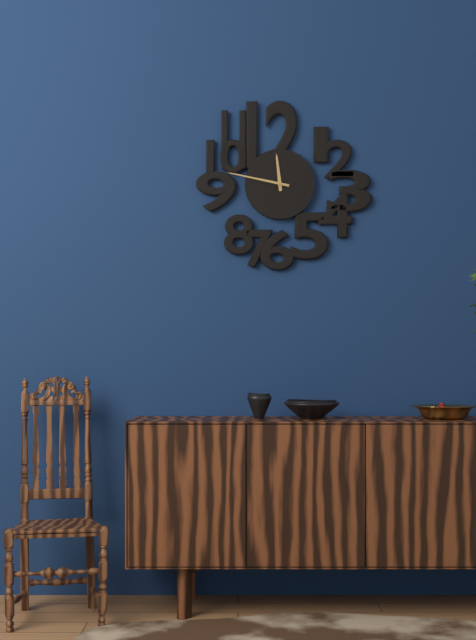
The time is 11:47
